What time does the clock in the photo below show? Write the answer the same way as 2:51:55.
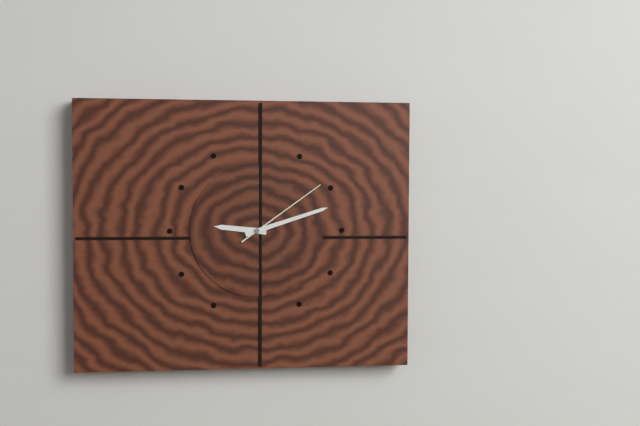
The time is 9:12:09
